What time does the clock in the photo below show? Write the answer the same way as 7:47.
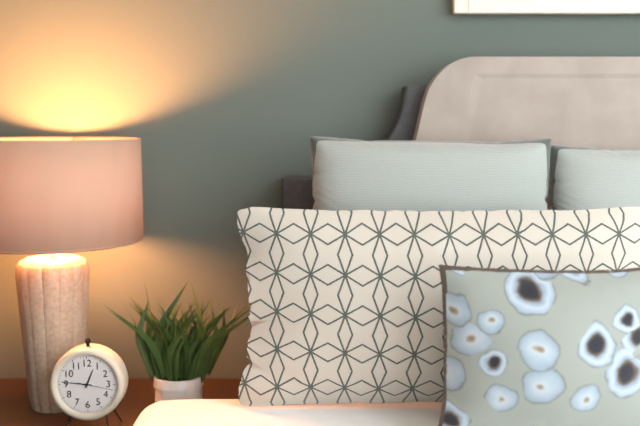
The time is 12:46
